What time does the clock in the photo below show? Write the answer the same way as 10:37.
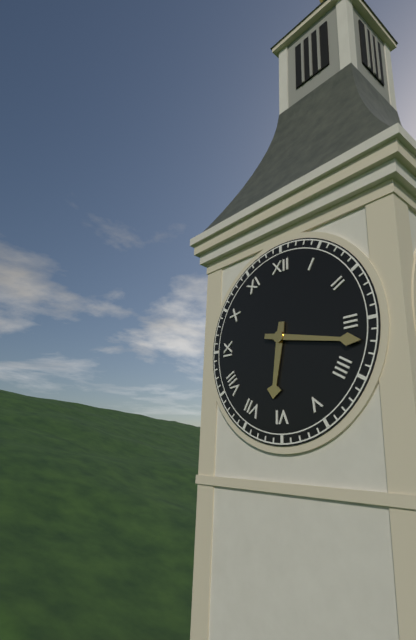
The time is 6:17
